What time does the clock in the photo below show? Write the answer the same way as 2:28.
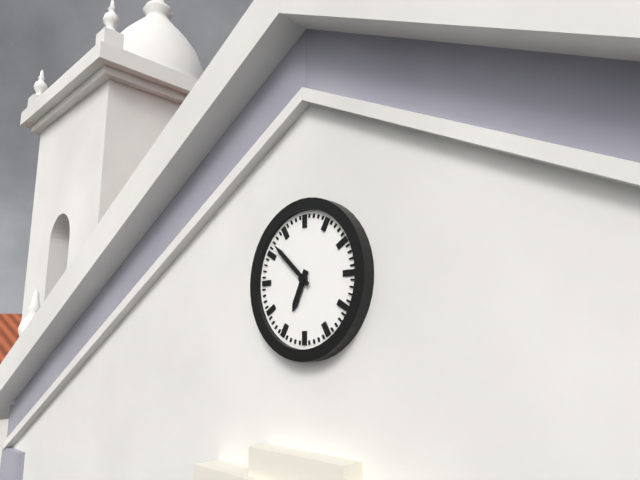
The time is 6:52
